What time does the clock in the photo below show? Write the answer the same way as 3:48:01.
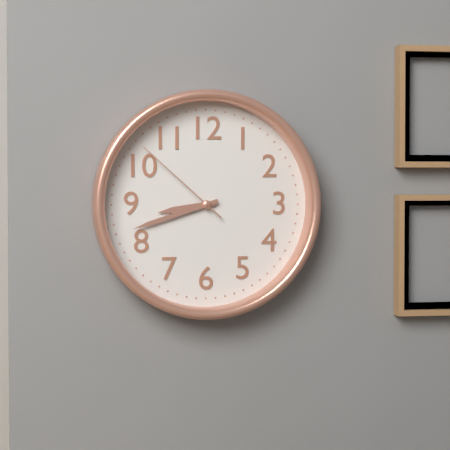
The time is 8:42:52
